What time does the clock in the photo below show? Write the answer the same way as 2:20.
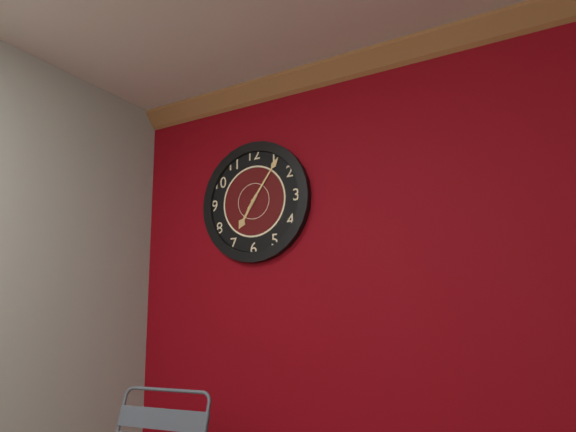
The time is 7:06
